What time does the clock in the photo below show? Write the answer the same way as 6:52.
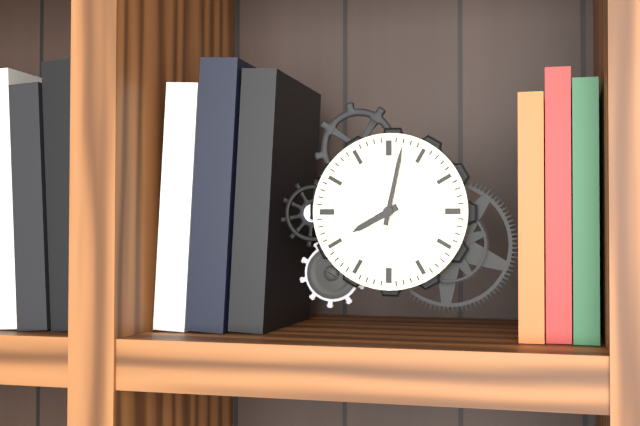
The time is 8:02
